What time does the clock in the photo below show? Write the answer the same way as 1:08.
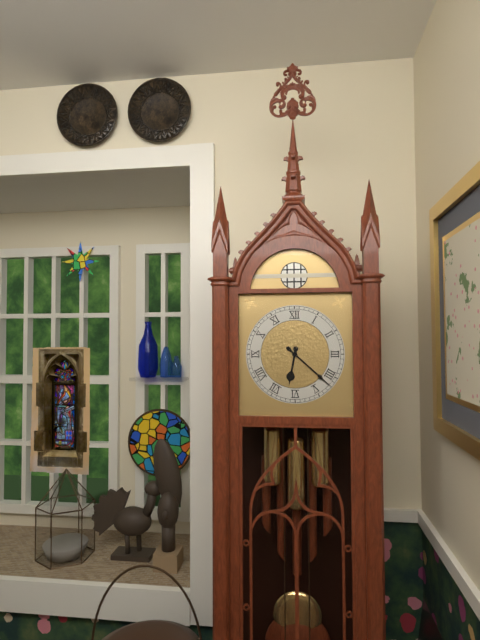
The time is 6:22
